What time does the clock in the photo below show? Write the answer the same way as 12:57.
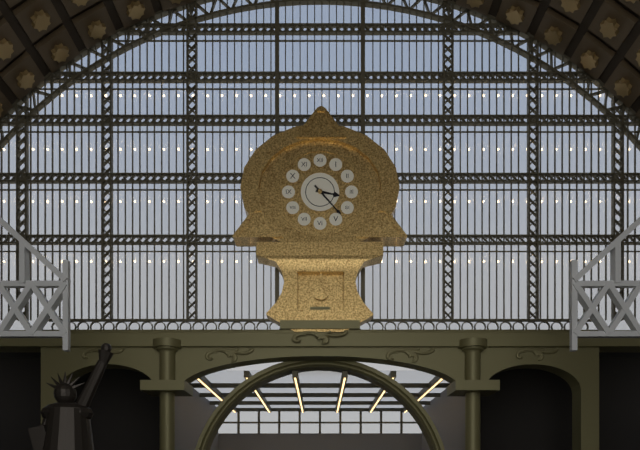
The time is 3:23
